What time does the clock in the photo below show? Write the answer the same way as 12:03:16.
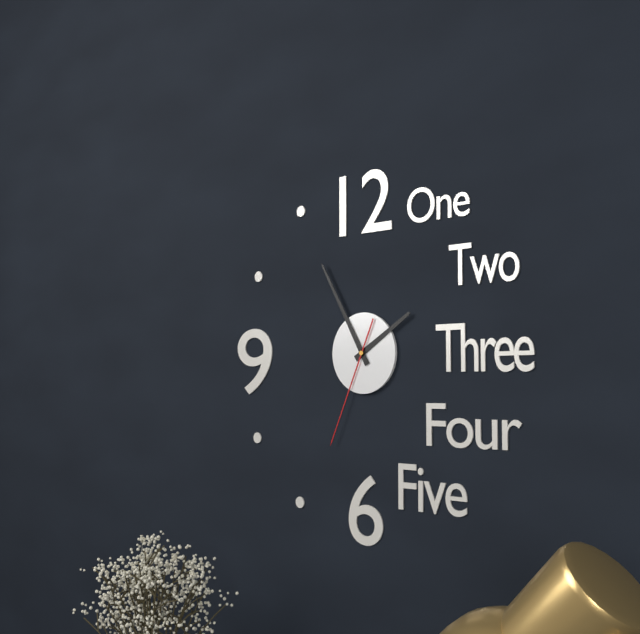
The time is 1:55:34
